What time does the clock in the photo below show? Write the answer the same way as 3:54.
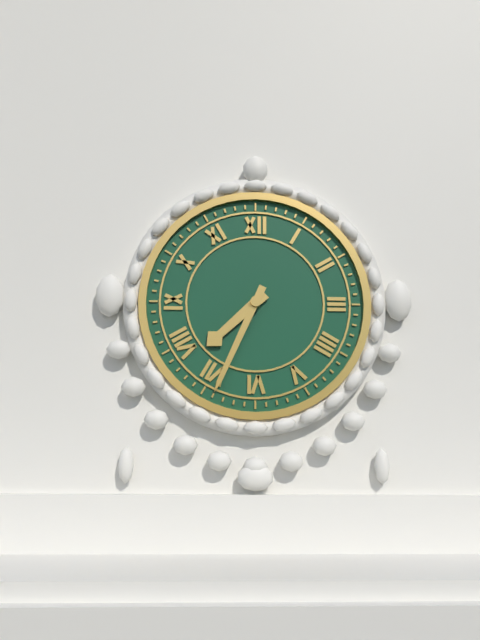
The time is 7:34
